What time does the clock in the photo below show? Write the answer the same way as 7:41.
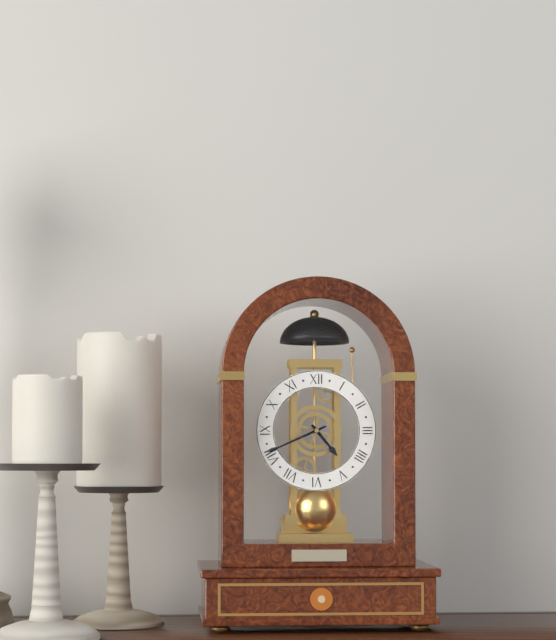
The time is 4:41
